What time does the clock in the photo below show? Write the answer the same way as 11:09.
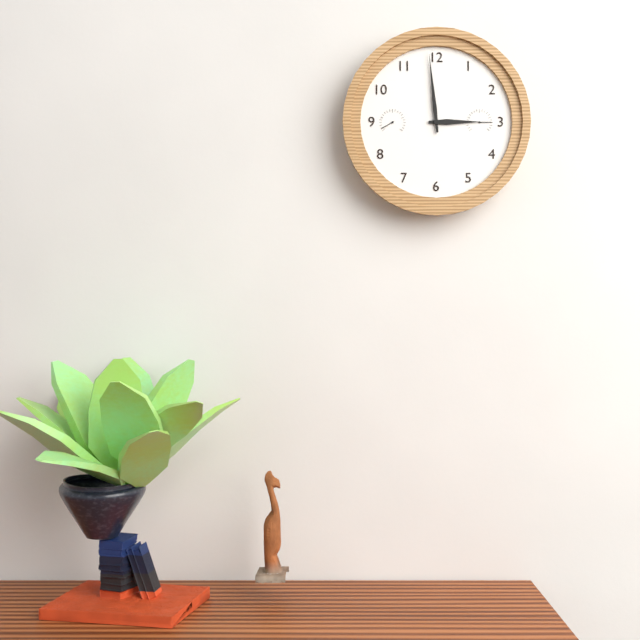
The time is 2:59
